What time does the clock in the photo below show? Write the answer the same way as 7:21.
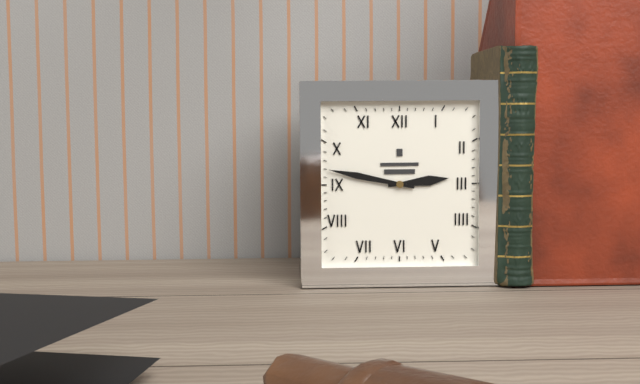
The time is 2:47
